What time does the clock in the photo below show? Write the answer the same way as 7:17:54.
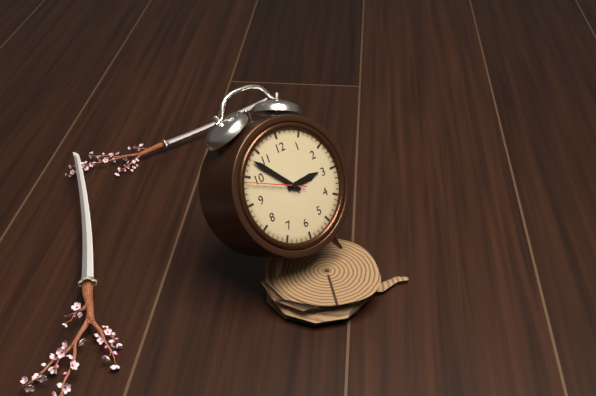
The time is 2:53:49
